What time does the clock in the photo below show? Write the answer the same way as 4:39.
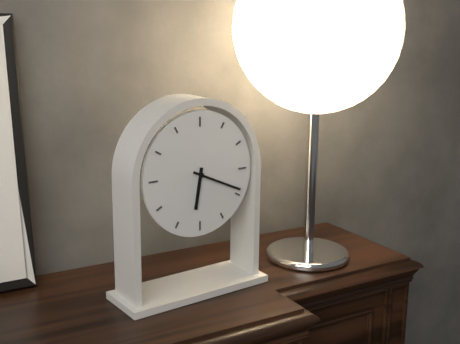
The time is 6:19
